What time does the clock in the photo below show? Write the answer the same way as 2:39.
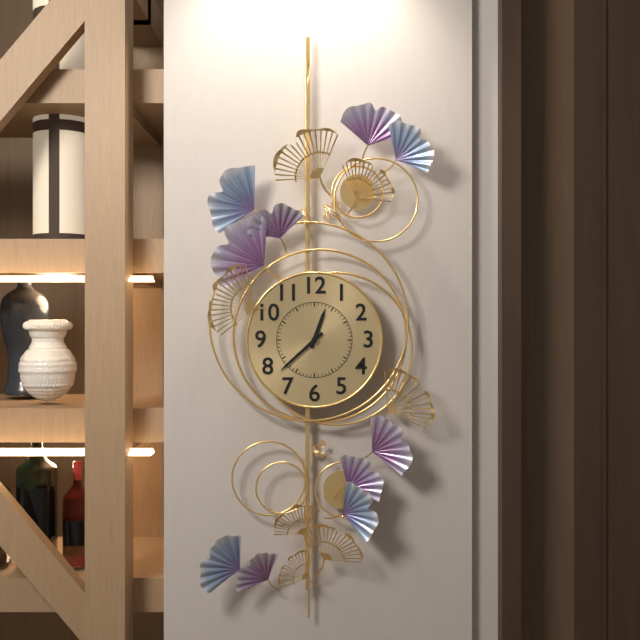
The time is 12:38
